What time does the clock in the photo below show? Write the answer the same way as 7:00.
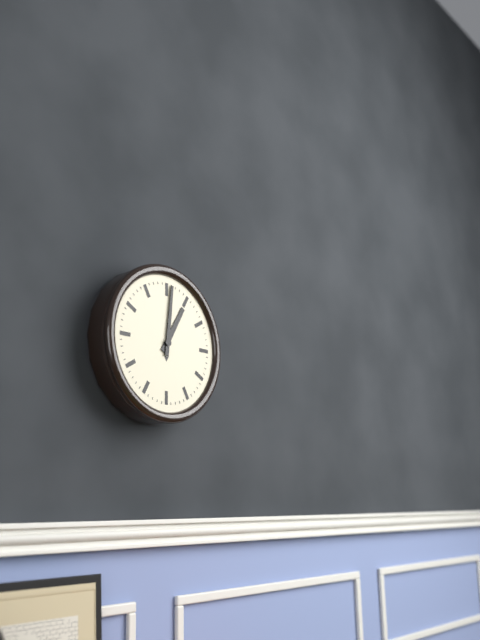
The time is 1:01
